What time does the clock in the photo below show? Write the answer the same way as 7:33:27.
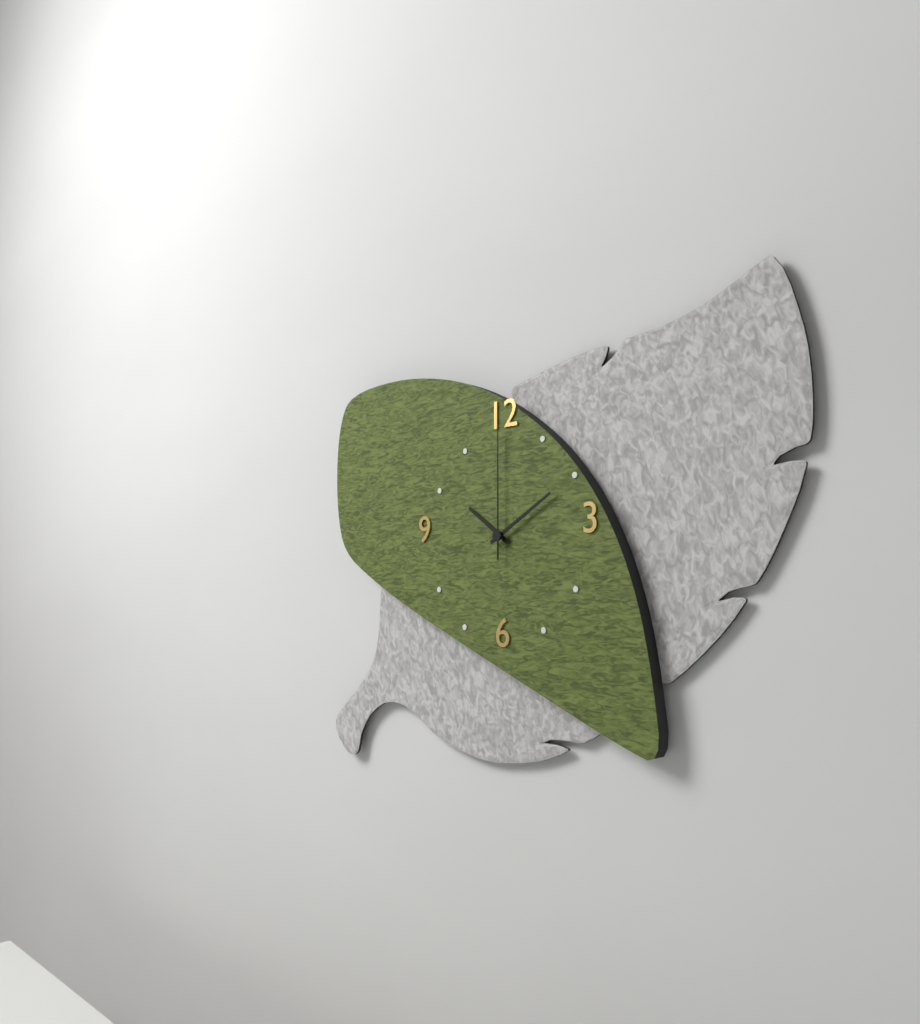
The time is 10:10:00
